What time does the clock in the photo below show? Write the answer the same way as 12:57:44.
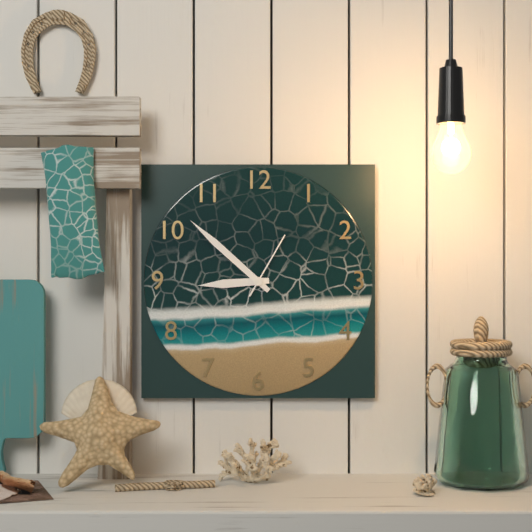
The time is 8:52:05
